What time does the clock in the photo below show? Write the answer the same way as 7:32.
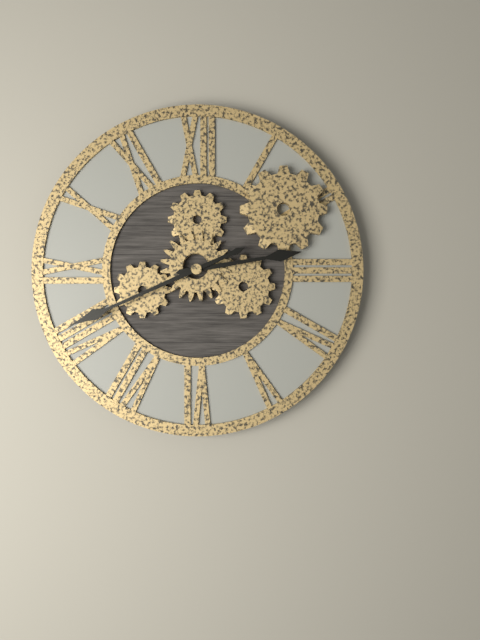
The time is 2:41
